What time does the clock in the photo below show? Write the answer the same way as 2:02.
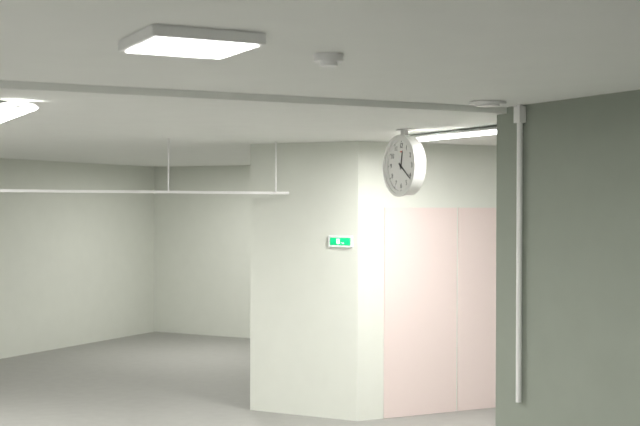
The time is 12:21
